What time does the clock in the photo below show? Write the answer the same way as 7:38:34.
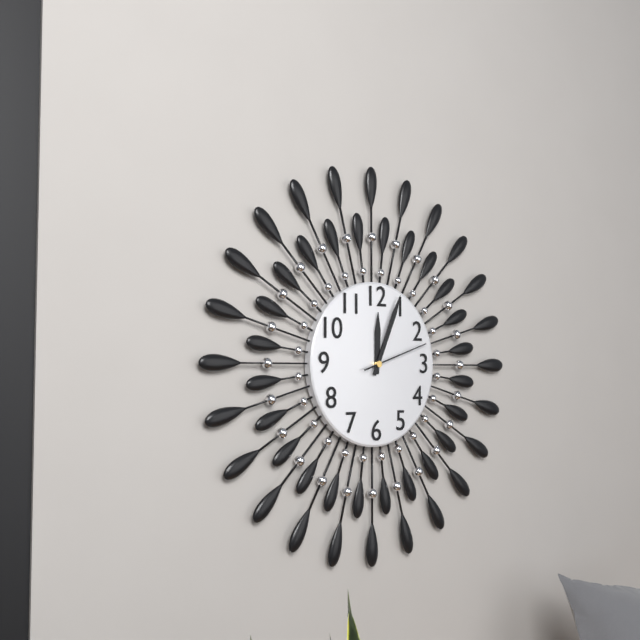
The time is 12:04:12
